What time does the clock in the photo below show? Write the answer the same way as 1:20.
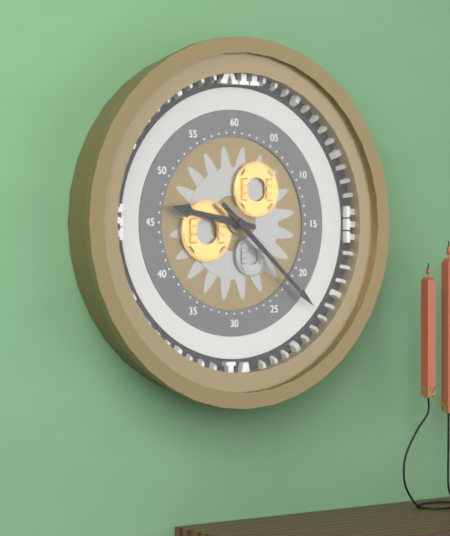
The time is 9:22
